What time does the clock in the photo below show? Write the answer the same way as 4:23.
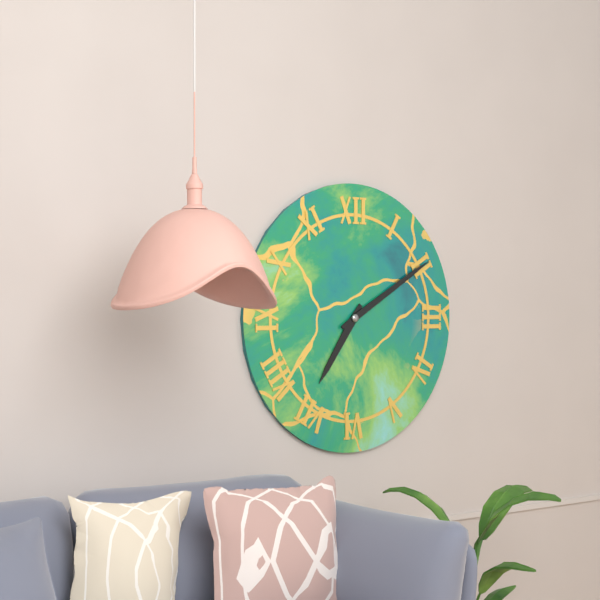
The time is 7:10
